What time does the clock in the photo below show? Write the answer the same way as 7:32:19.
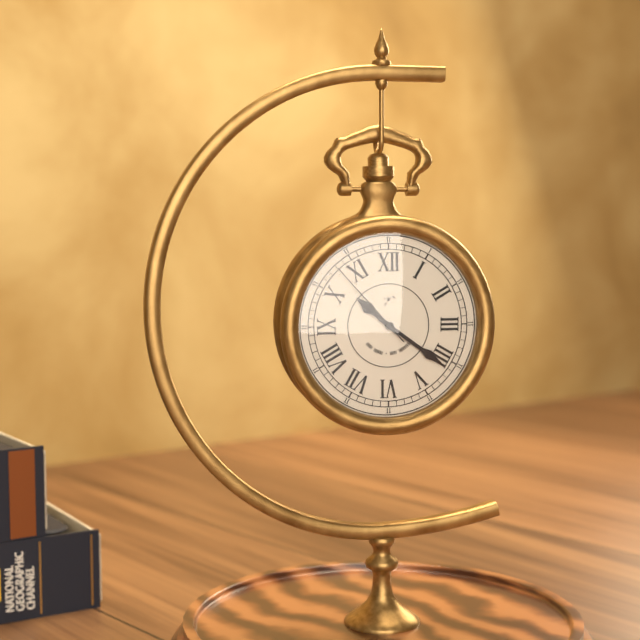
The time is 10:21:53
